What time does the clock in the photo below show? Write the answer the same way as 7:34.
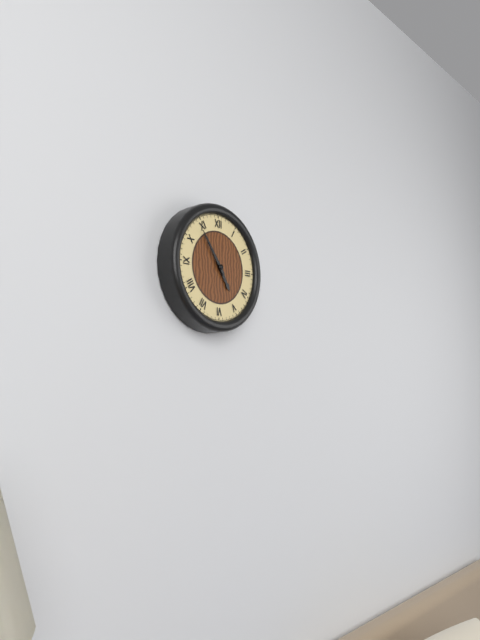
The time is 4:54
